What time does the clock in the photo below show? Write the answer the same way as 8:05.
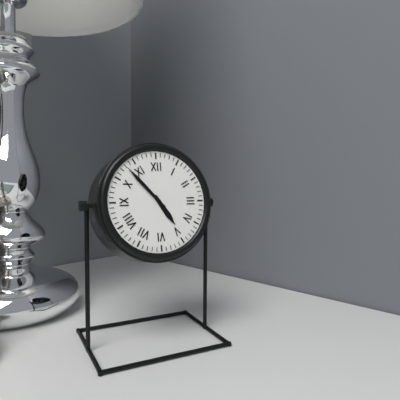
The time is 4:53
